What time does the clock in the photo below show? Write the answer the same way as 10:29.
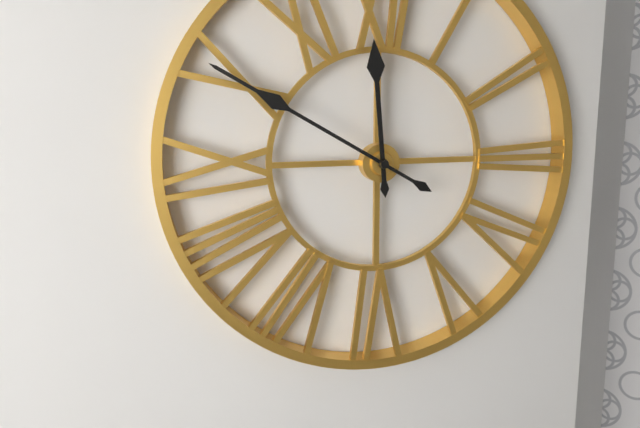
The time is 11:50
